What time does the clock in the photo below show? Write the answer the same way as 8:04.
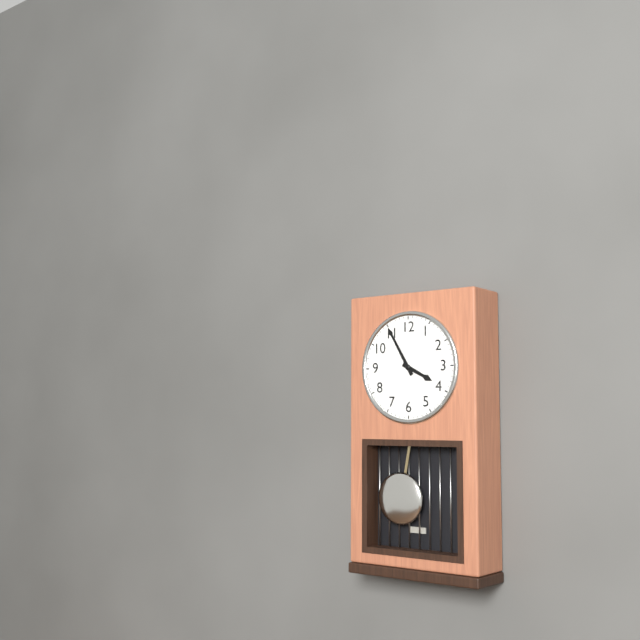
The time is 3:55
